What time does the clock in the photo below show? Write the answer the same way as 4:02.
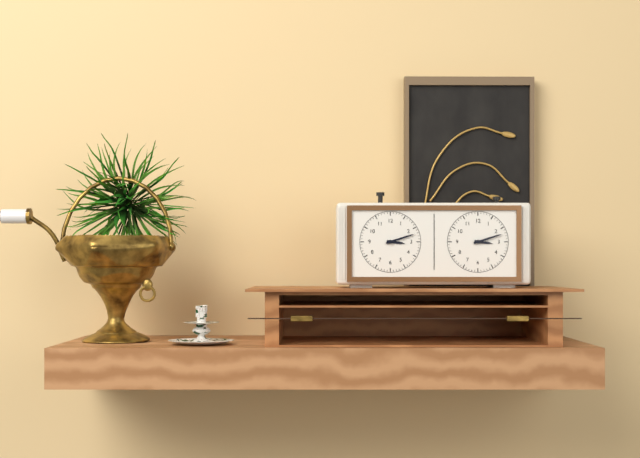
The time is 3:12
